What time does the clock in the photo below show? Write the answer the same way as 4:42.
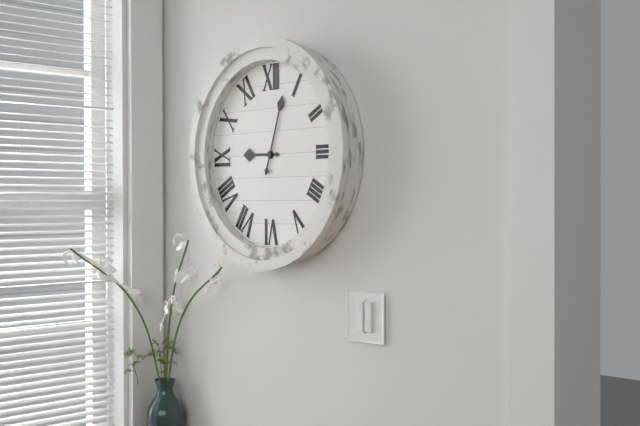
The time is 9:03
